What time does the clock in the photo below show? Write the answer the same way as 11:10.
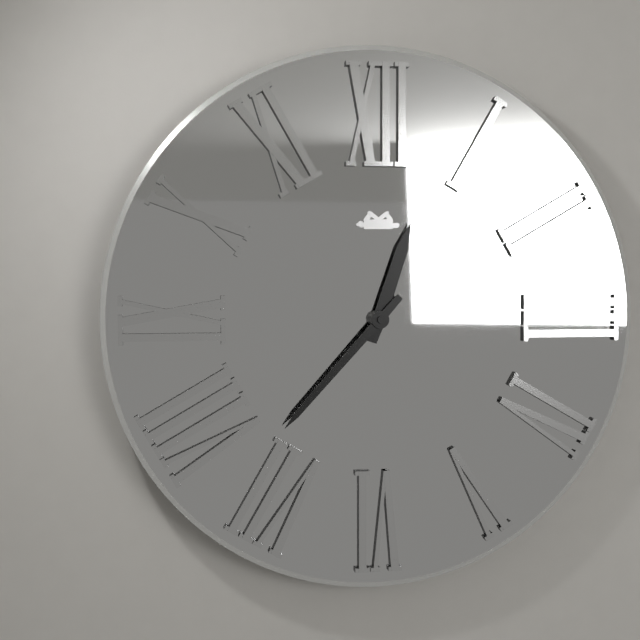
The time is 12:37
